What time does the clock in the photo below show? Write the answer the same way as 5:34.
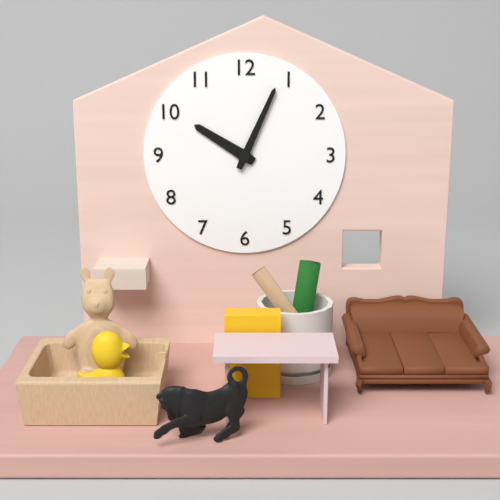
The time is 10:04
